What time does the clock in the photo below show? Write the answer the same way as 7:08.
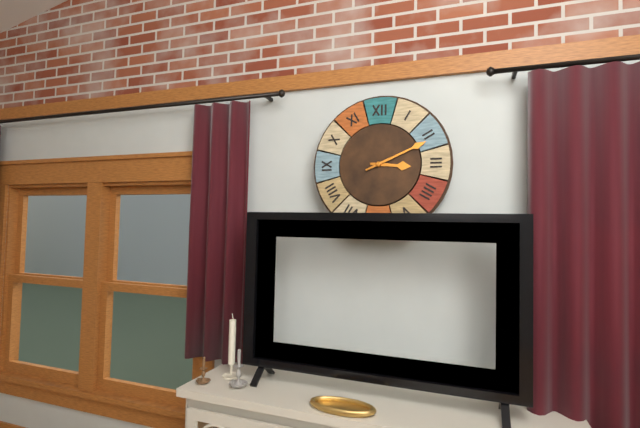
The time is 3:11
